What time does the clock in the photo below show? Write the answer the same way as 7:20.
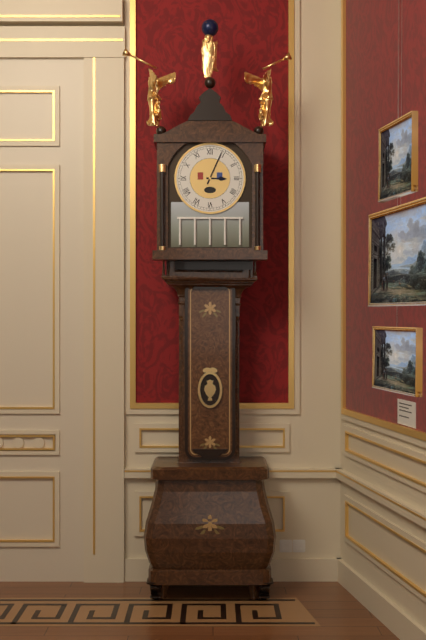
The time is 3:04
